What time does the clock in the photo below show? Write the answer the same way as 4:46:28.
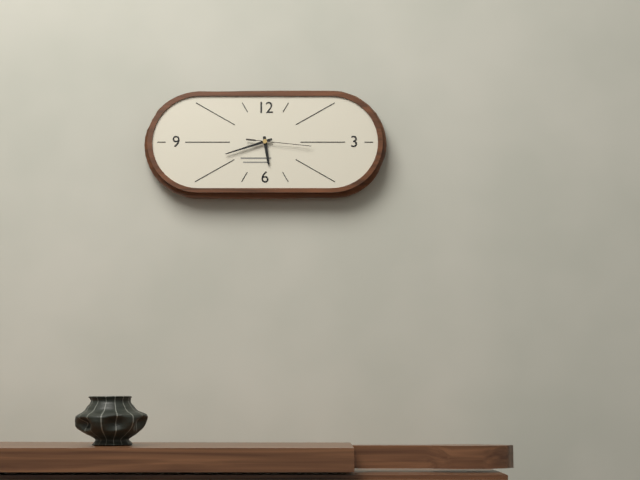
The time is 5:42:16
